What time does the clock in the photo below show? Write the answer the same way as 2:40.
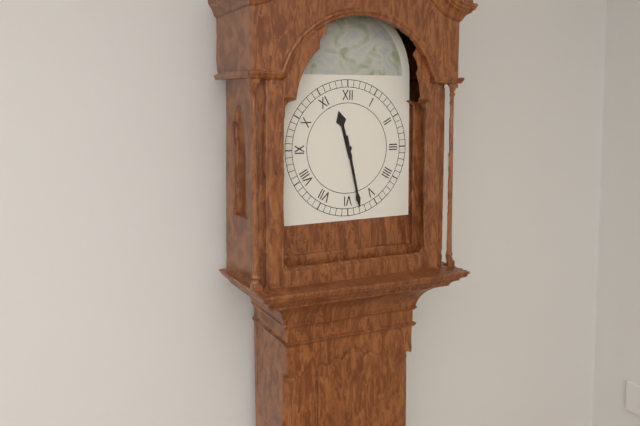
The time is 11:28
